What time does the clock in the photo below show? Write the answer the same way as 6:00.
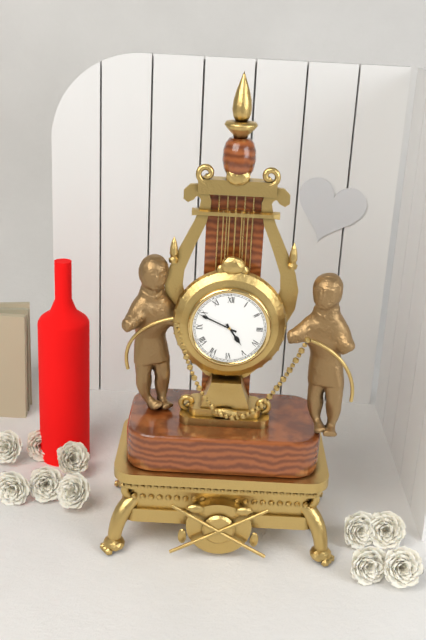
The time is 4:49
